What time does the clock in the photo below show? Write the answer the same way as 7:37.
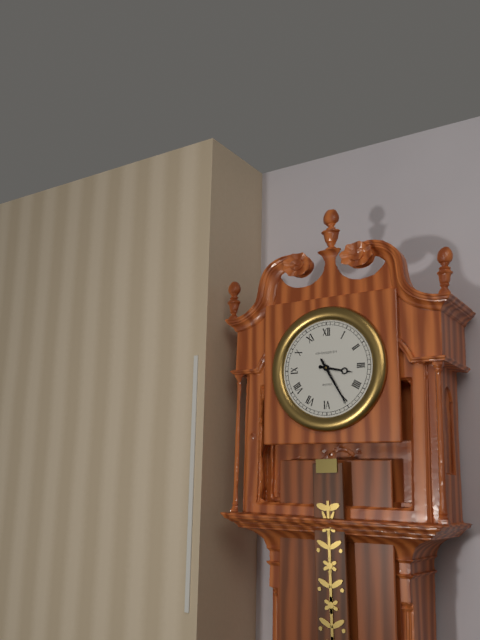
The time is 3:25
